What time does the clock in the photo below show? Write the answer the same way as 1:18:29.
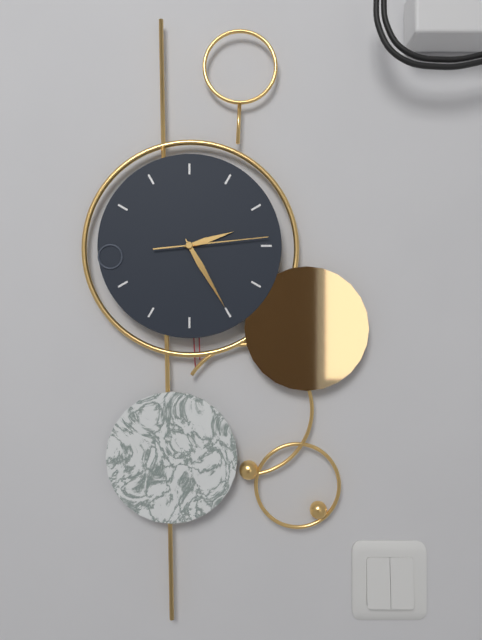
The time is 2:25:14
